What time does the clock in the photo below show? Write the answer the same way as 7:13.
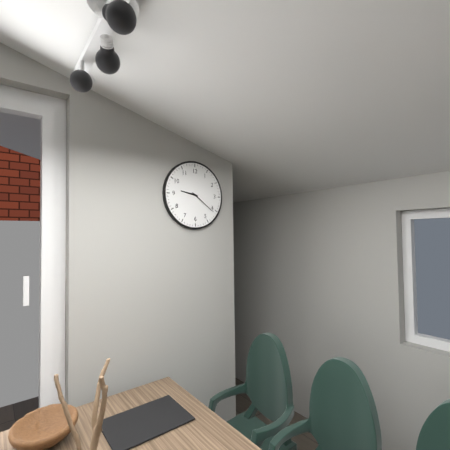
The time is 9:21
